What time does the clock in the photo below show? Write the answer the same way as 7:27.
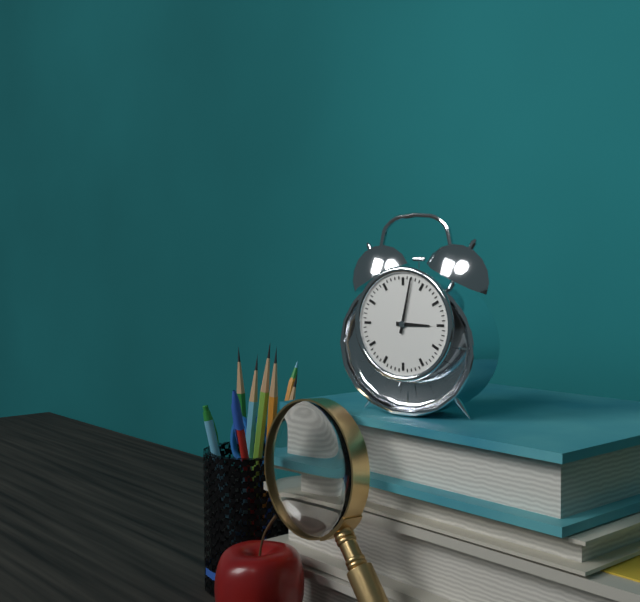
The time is 3:02
